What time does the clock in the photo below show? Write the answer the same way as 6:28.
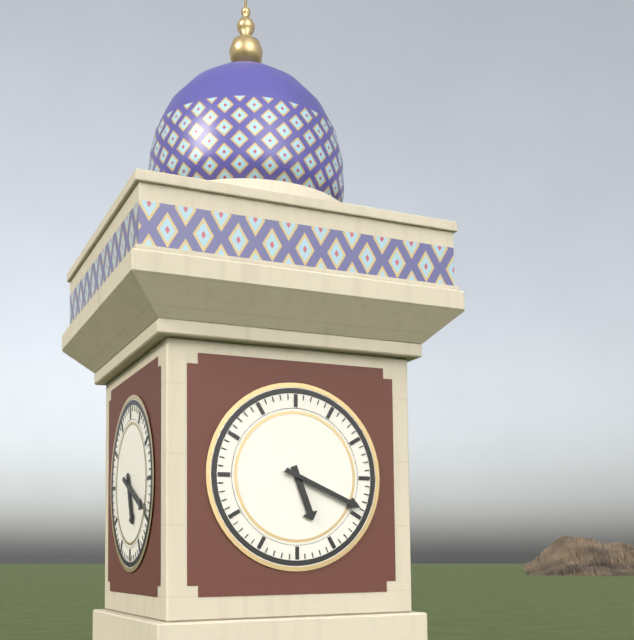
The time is 5:19
